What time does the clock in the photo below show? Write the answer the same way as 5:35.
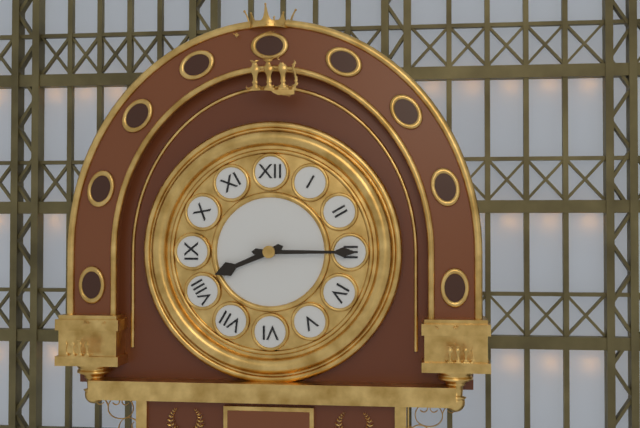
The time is 8:15
